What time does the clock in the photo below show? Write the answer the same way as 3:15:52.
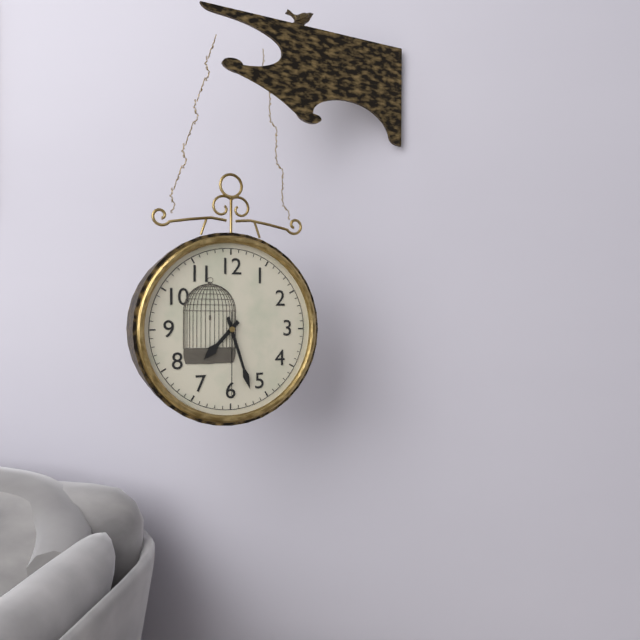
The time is 7:27:30
